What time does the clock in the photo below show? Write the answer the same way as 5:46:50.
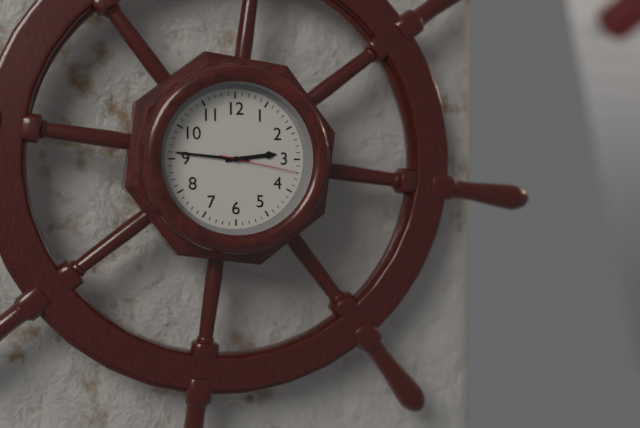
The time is 2:46:17
